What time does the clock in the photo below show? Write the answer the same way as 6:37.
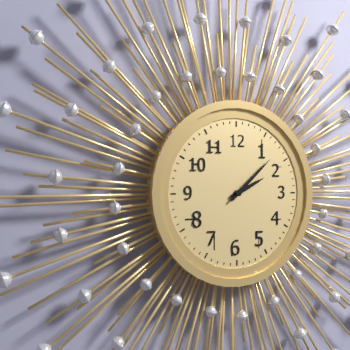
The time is 2:08
